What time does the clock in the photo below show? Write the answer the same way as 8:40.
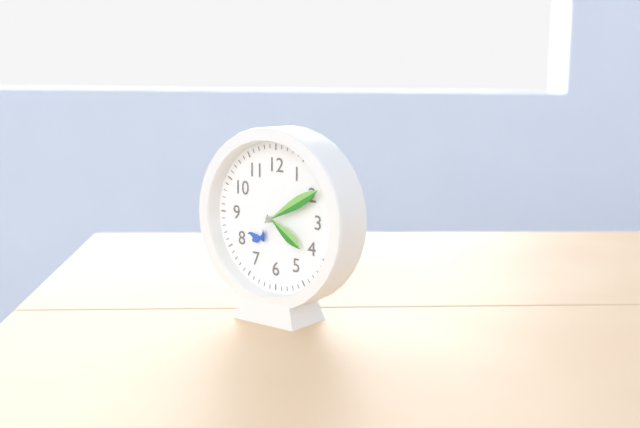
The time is 4:10
